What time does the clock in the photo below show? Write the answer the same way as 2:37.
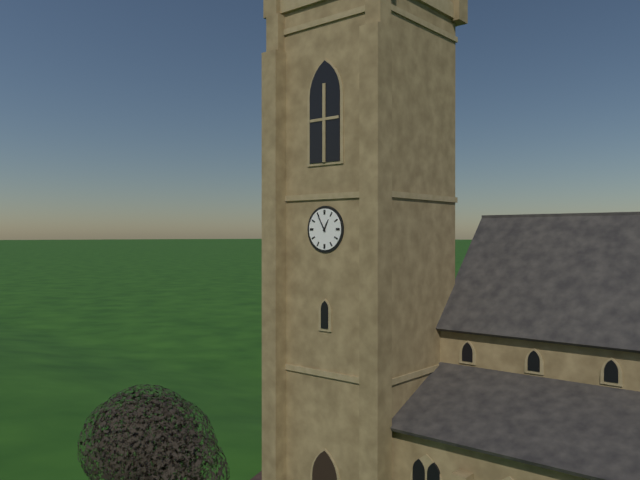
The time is 12:55
